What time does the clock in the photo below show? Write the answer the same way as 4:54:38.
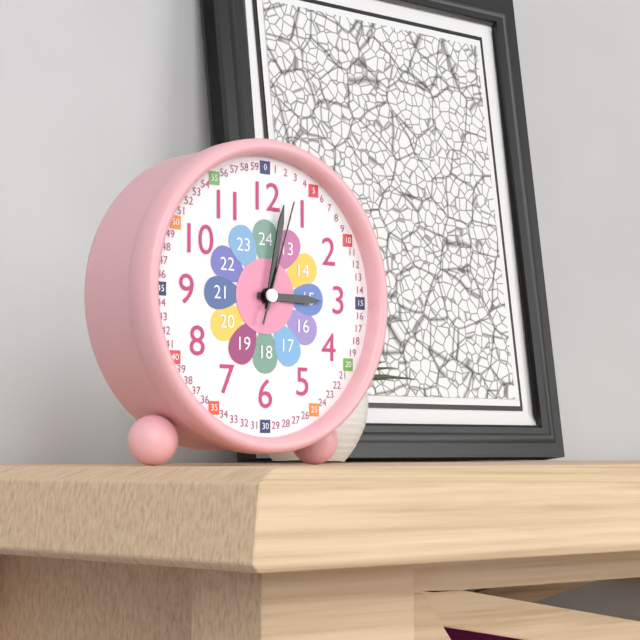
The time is 3:02:03
